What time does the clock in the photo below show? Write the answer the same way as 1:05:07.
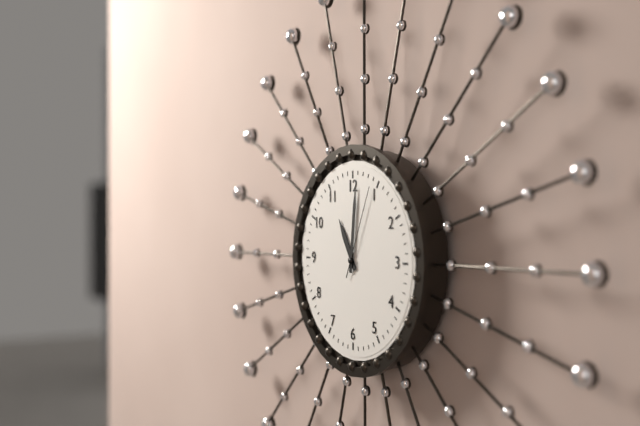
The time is 11:01:04
